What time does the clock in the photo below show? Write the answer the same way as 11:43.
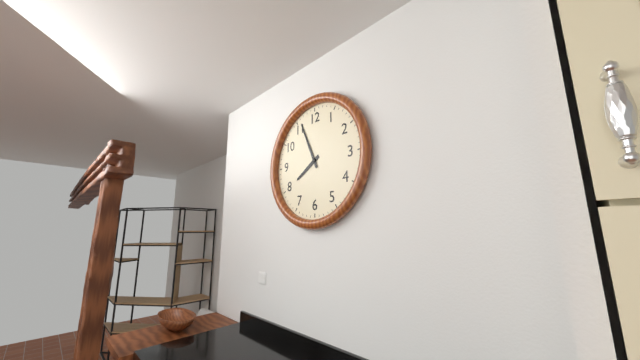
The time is 7:56
